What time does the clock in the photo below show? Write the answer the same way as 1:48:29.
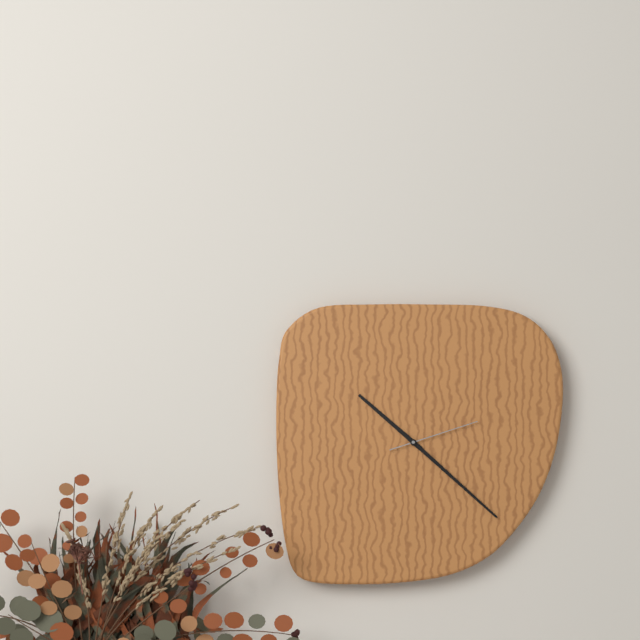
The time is 10:22:12
